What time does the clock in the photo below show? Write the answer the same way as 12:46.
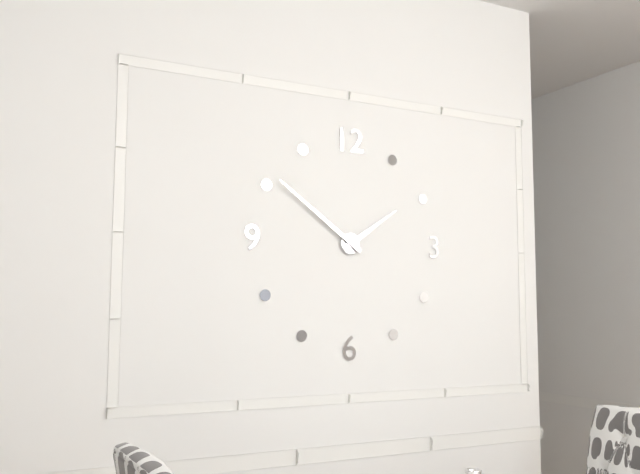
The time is 1:51
